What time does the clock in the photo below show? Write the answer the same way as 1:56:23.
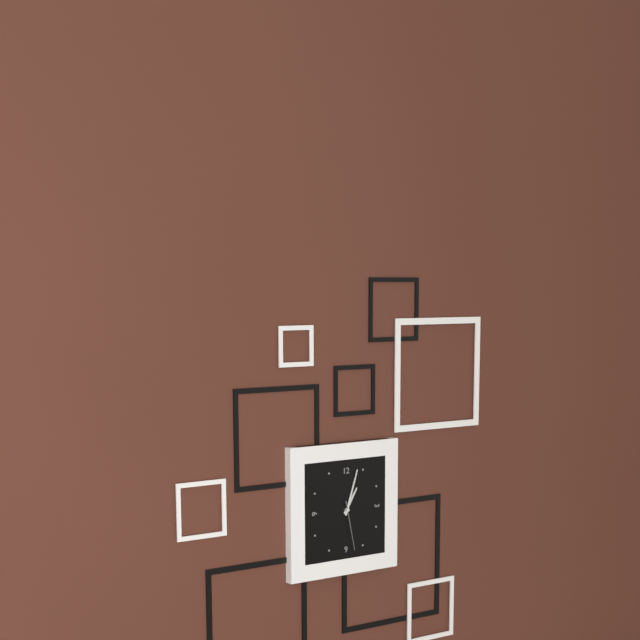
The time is 1:03:28
